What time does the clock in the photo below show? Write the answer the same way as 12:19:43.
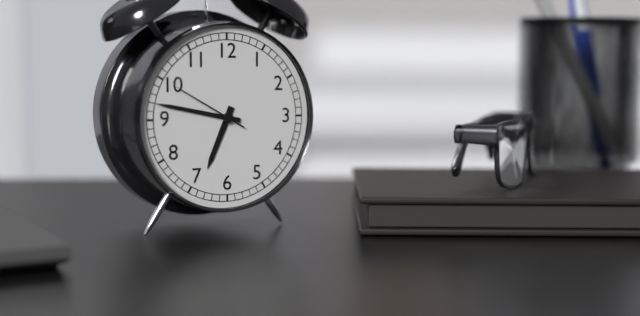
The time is 6:47:50
